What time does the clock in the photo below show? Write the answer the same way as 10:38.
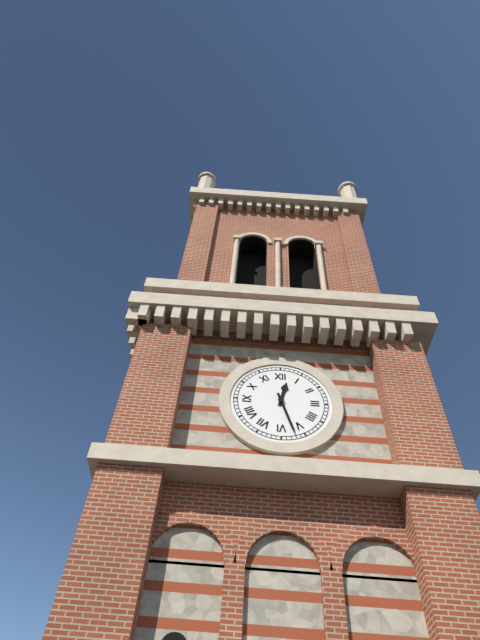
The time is 12:27
